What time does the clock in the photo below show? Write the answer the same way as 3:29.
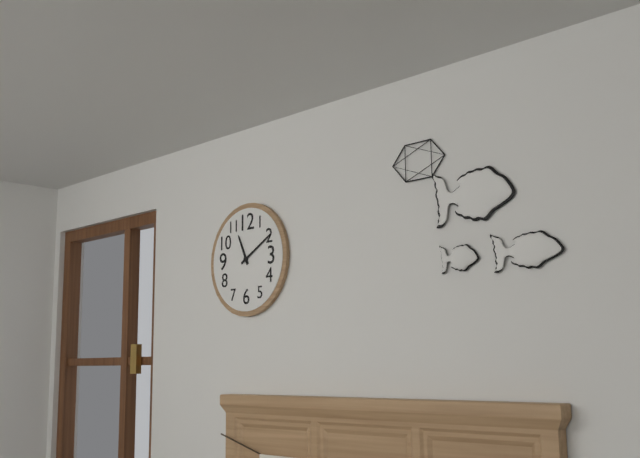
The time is 11:10
